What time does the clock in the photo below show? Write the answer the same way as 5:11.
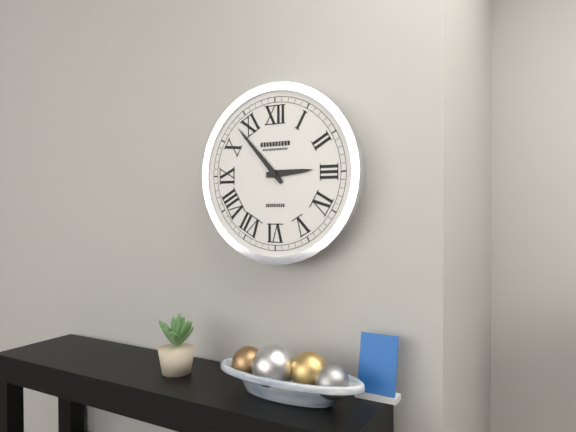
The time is 2:53
